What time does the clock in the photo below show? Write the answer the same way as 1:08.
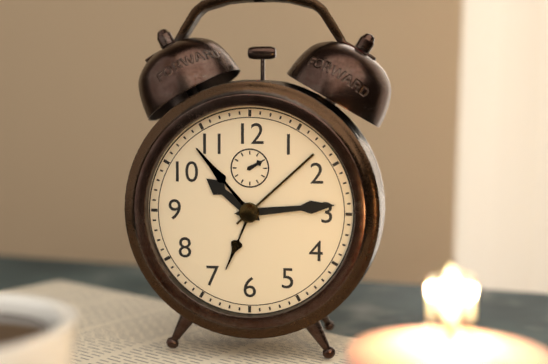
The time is 10:14
